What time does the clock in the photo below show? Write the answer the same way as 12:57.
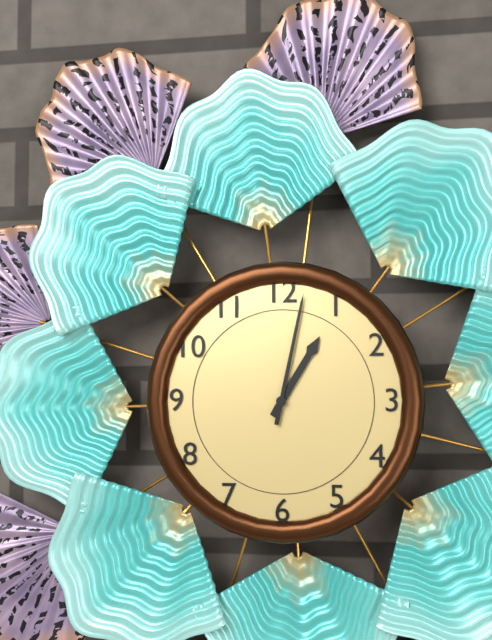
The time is 1:02
